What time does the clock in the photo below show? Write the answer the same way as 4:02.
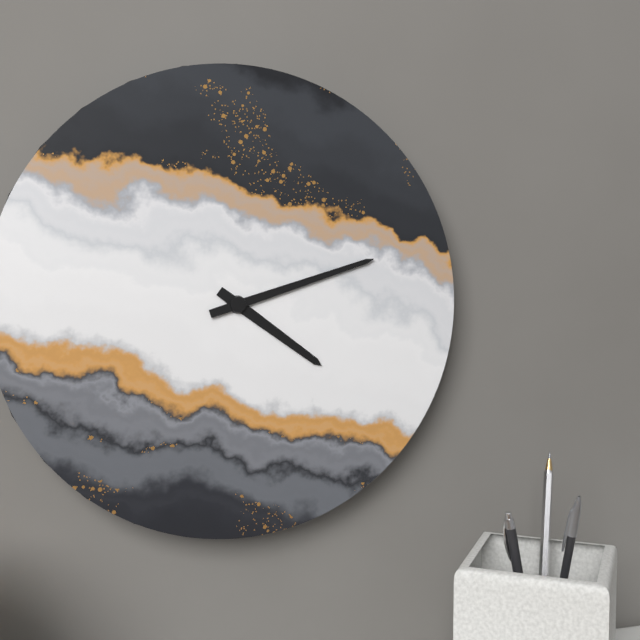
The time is 4:12
